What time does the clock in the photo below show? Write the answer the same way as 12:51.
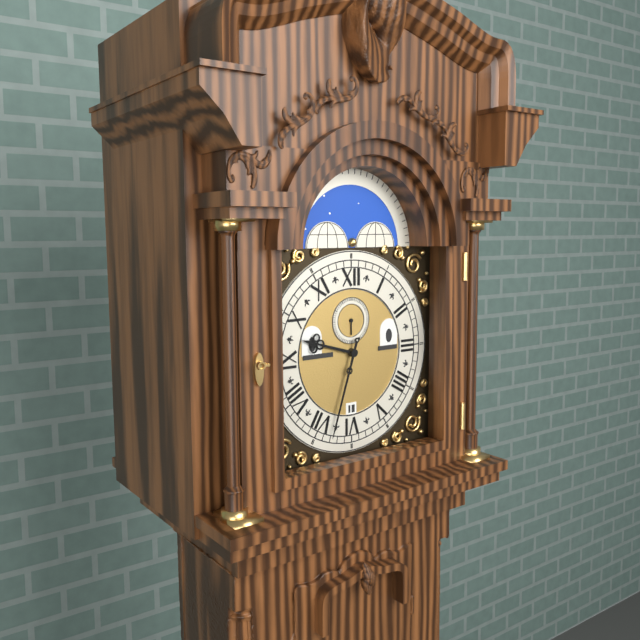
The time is 9:33
